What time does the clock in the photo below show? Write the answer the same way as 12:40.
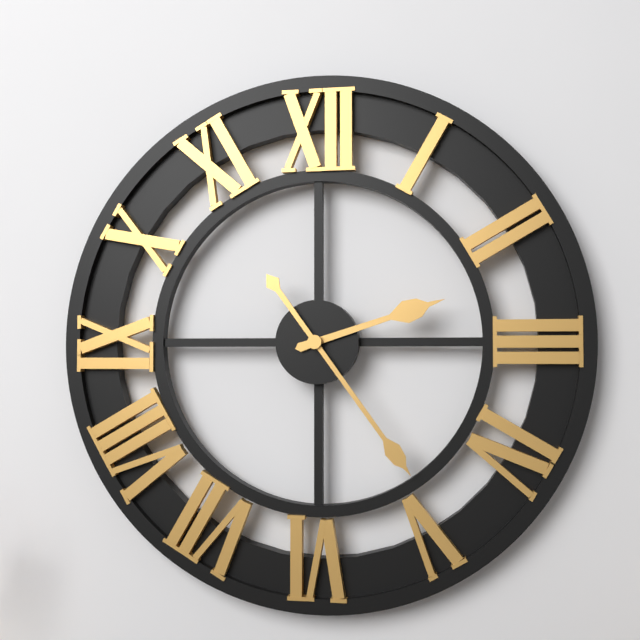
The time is 2:24
